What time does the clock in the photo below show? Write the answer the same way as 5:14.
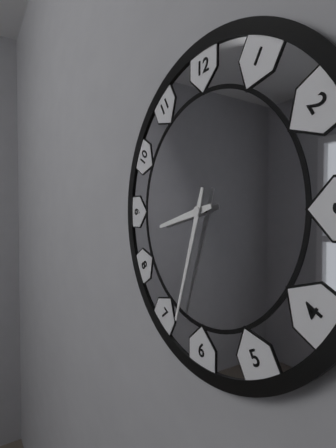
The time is 8:33
